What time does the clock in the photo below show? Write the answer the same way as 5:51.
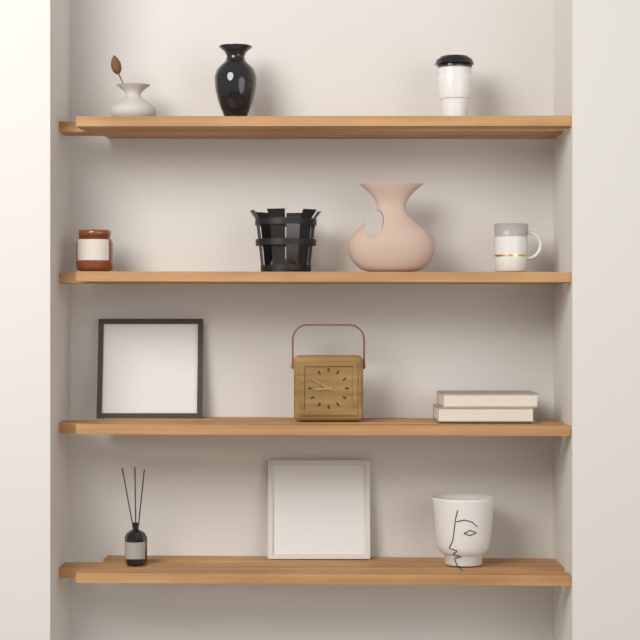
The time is 8:50
